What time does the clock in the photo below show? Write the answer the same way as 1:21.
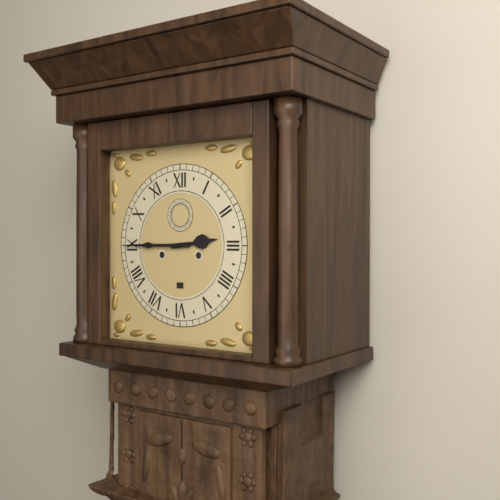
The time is 2:45
